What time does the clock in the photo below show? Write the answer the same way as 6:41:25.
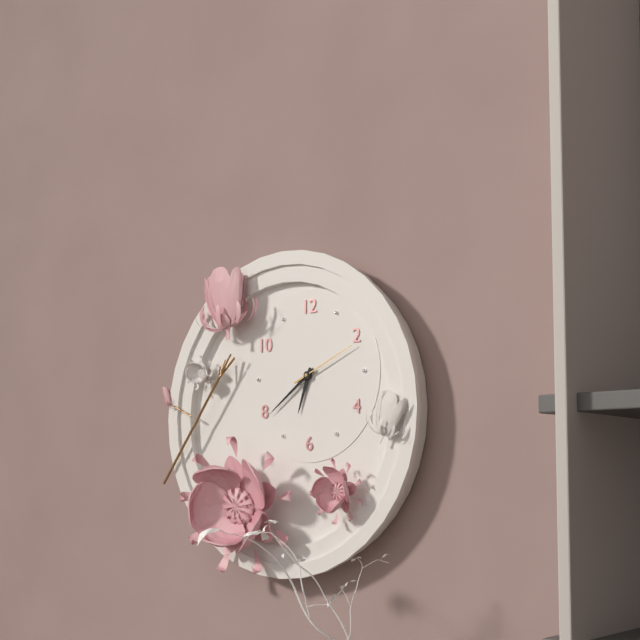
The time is 6:39:11
